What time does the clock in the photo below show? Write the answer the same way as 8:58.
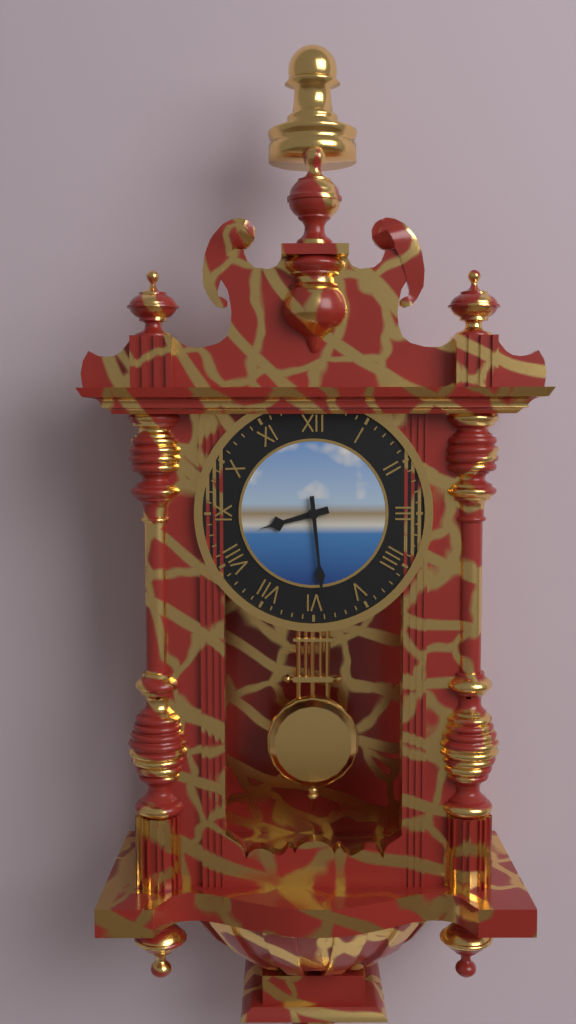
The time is 8:29
